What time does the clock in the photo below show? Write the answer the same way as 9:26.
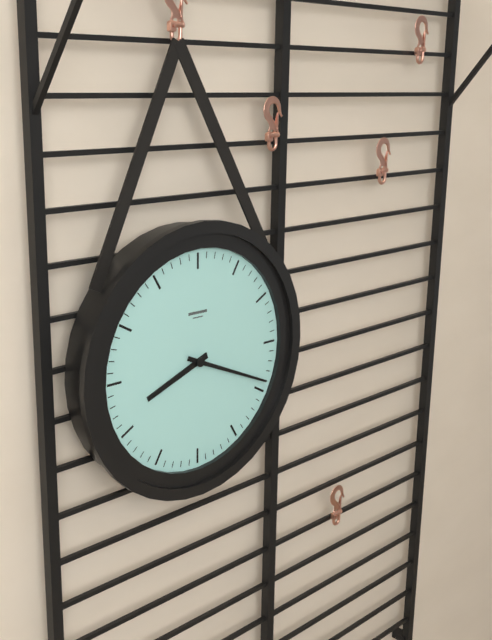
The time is 8:19
